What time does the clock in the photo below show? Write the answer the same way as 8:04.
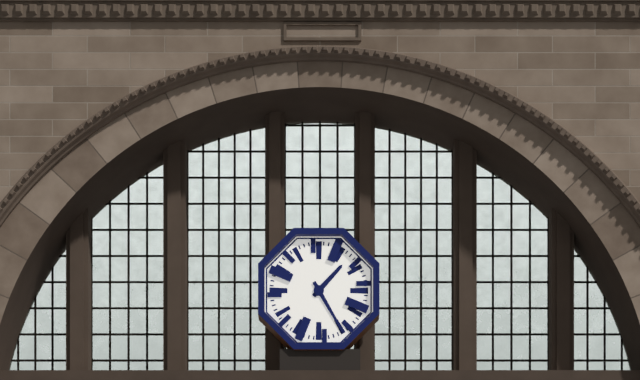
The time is 1:25
